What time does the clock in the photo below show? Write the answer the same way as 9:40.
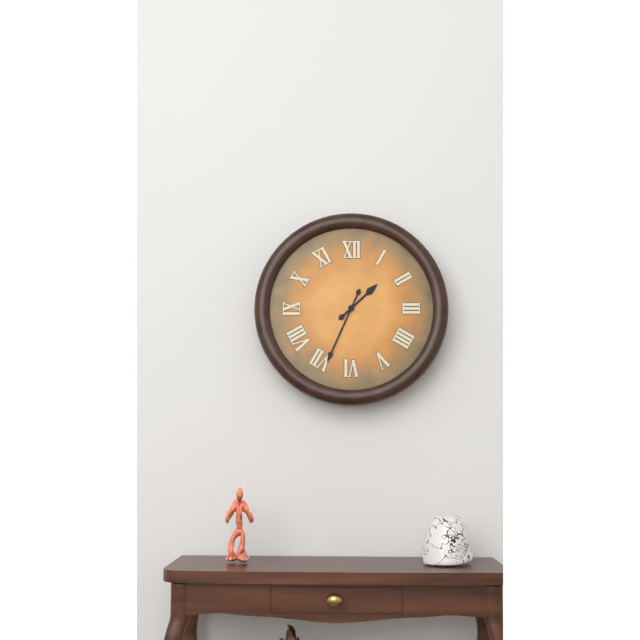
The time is 1:34
